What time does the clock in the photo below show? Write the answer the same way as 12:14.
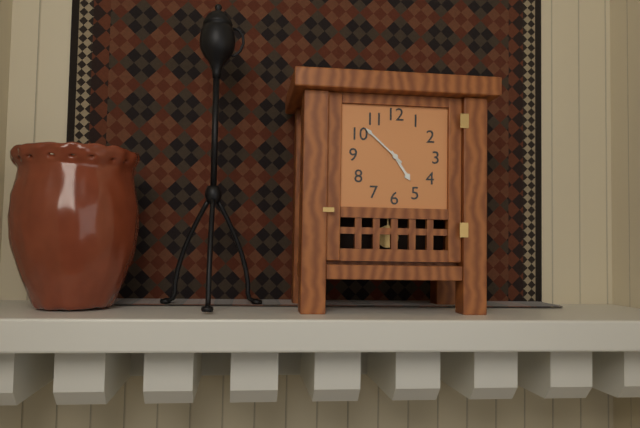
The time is 4:52
